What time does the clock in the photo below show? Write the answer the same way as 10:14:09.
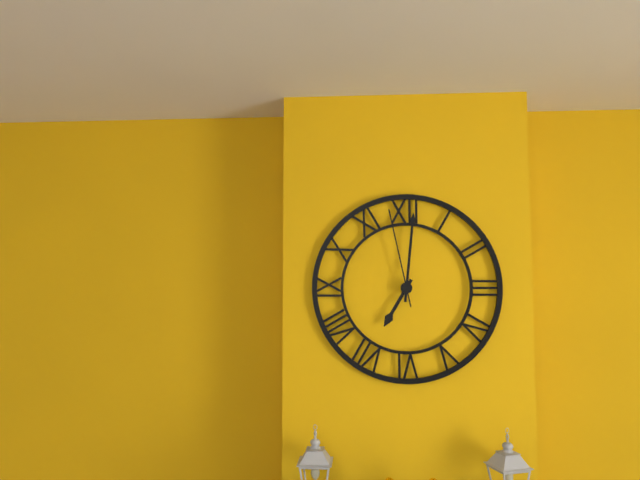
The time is 7:01:58
